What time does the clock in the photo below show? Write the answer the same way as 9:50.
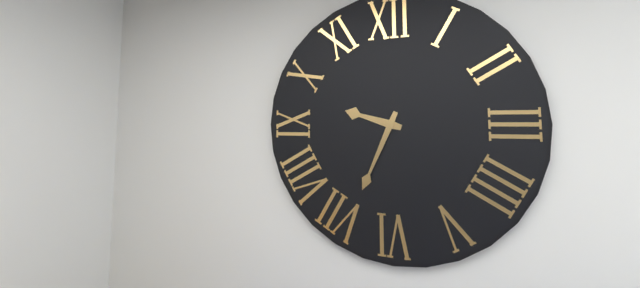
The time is 9:34
